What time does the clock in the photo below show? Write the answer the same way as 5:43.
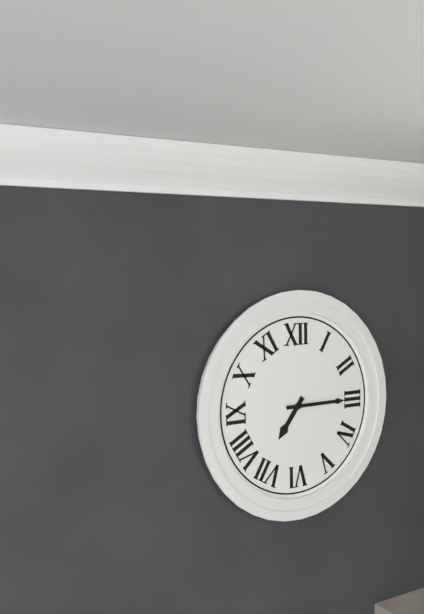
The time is 7:15
